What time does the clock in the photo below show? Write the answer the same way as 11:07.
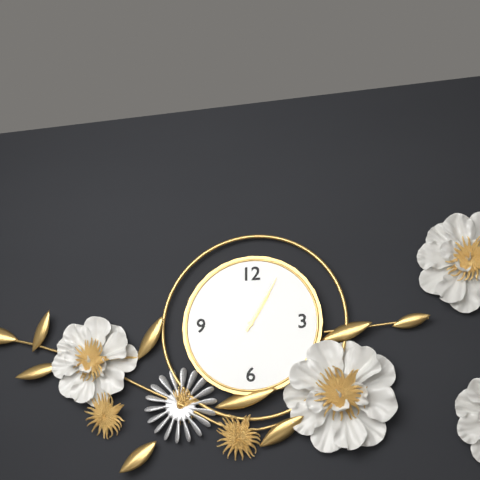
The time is 1:05
